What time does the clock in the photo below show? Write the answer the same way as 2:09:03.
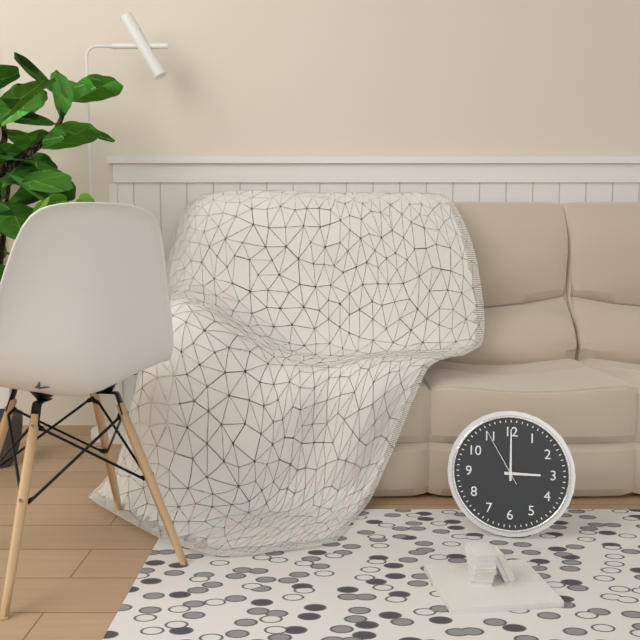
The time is 3:00:55
